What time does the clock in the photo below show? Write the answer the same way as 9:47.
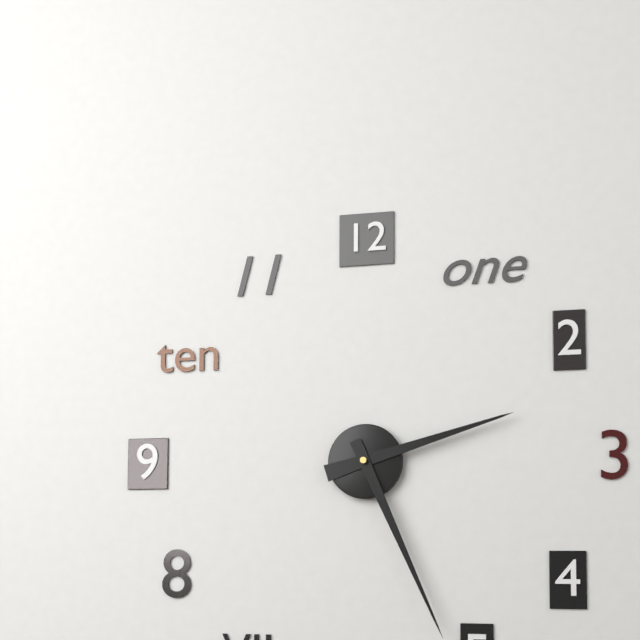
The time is 2:26
